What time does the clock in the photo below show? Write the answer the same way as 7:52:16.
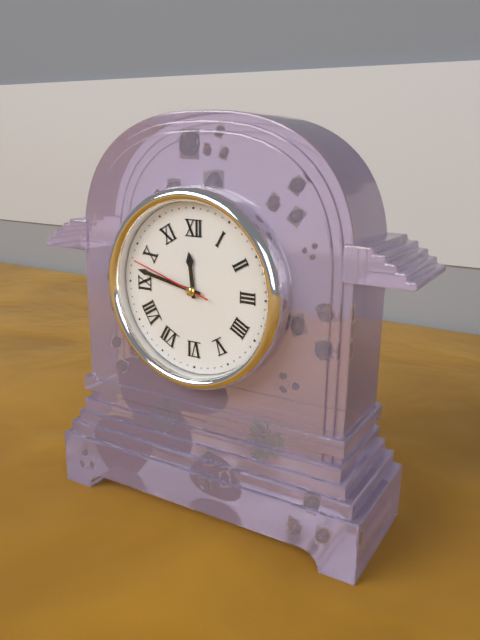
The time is 11:47:48
